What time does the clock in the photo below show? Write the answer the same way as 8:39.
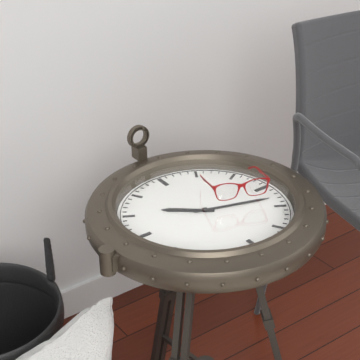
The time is 10:18
